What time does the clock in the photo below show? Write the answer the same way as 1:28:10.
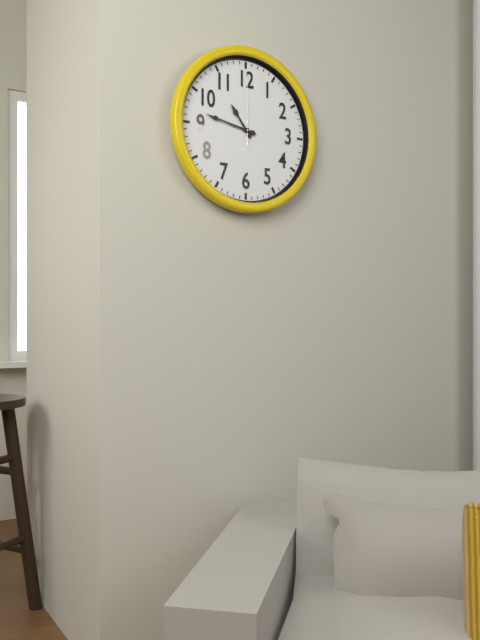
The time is 10:47:00
